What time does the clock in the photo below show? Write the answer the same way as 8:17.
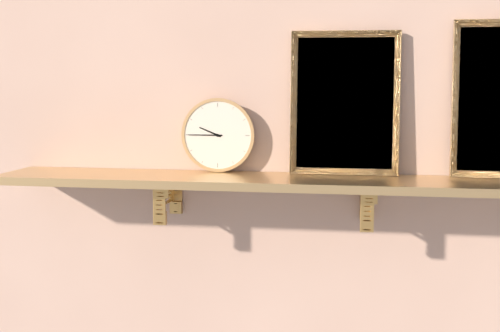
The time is 9:45
